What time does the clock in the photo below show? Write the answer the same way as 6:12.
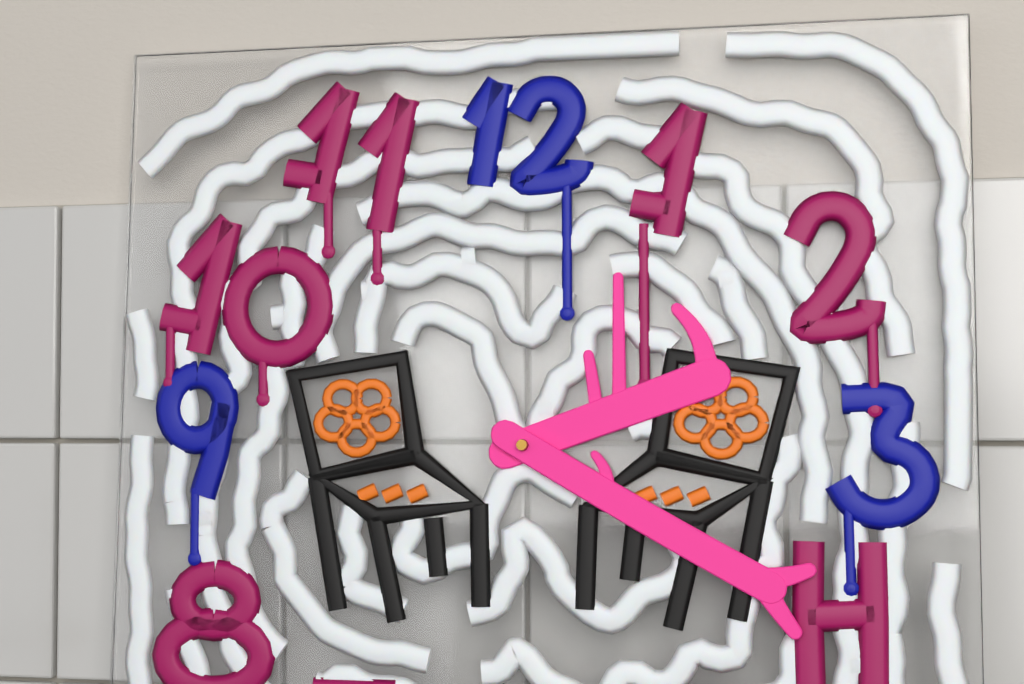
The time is 2:20
